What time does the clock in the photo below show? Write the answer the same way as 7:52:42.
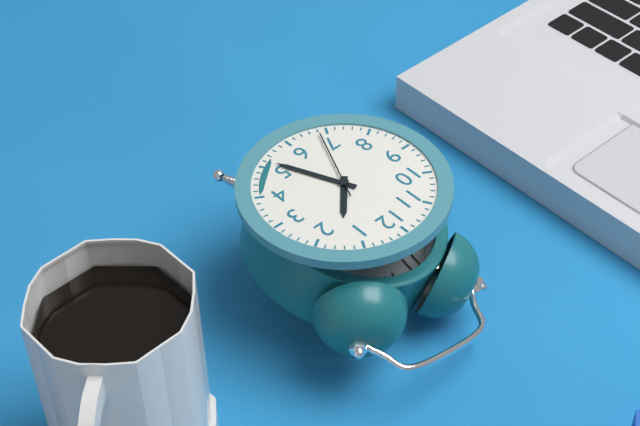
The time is 1:26:34
